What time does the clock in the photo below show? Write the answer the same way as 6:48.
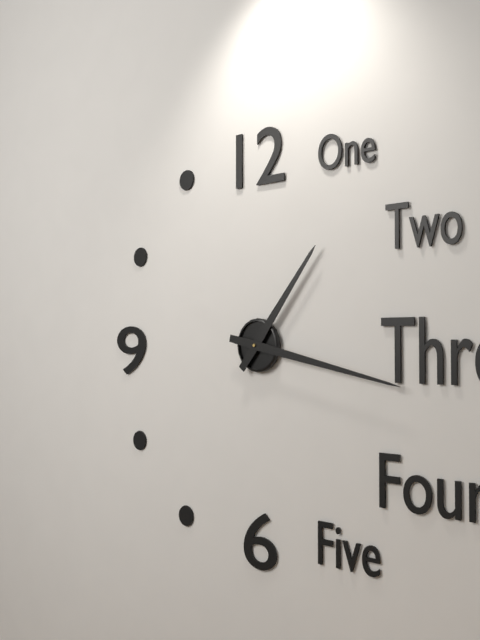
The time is 1:17
